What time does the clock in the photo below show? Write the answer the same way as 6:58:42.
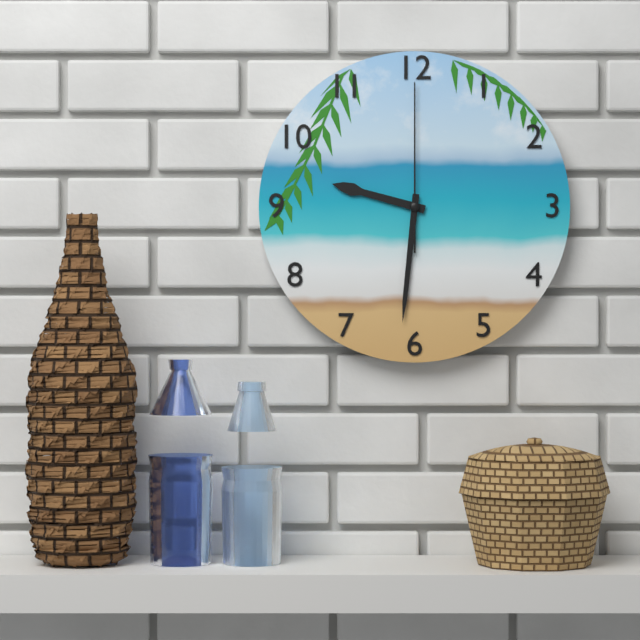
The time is 9:31:00
